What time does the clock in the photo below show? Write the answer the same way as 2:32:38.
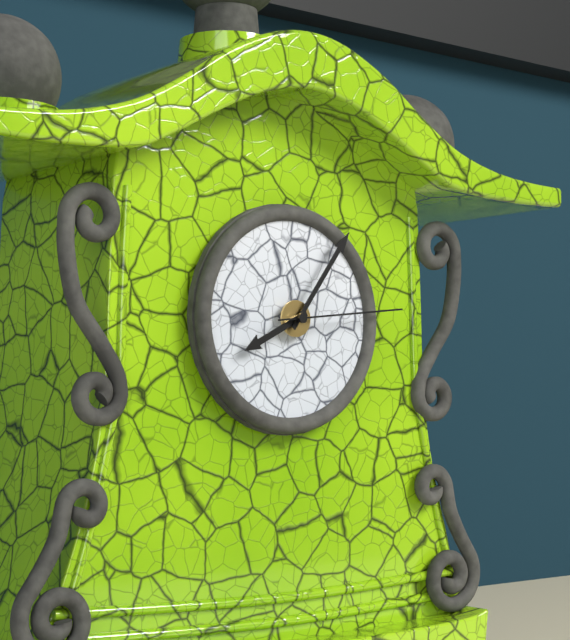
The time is 8:06:14
